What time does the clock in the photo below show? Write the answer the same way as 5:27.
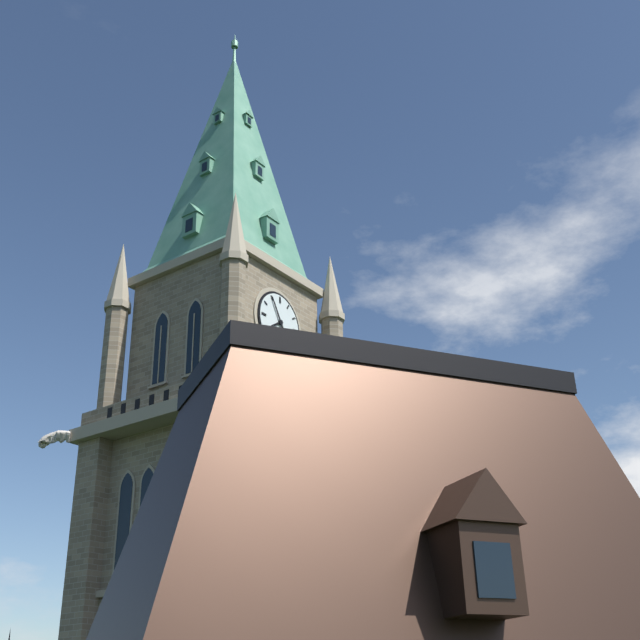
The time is 7:55
